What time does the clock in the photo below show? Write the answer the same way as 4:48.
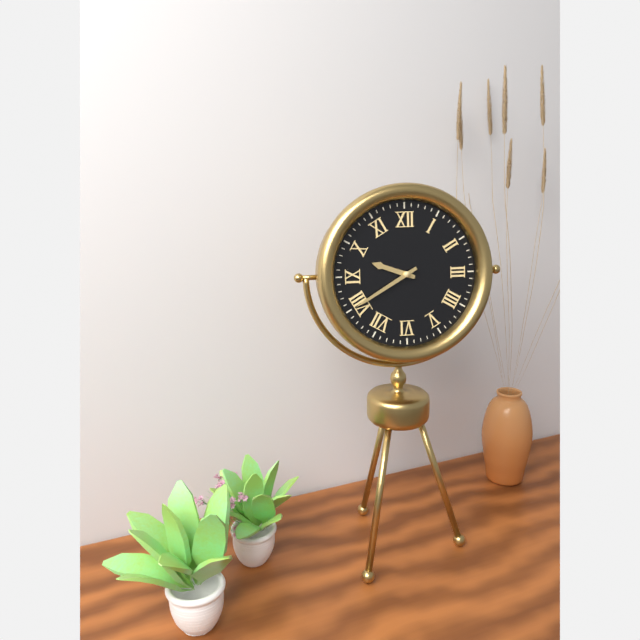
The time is 9:40
